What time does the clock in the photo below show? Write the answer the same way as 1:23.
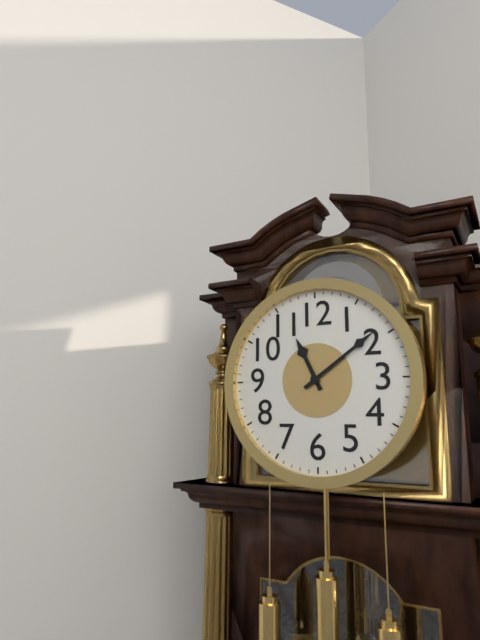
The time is 11:09
